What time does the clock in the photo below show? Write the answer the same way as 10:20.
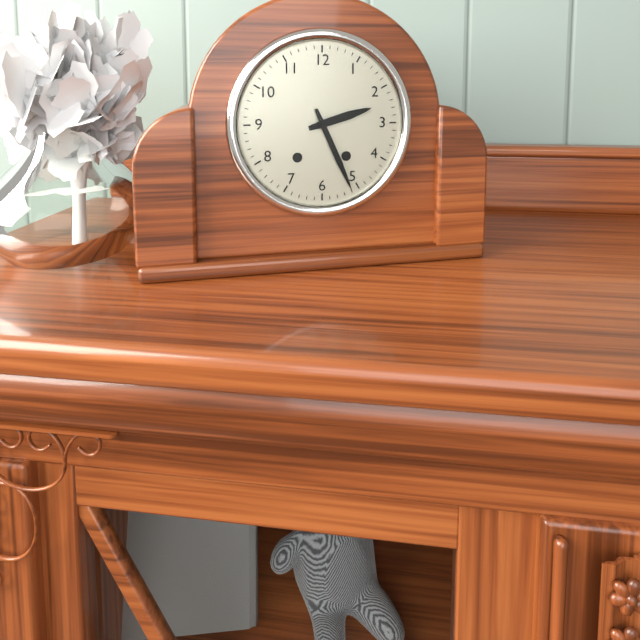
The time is 2:26
